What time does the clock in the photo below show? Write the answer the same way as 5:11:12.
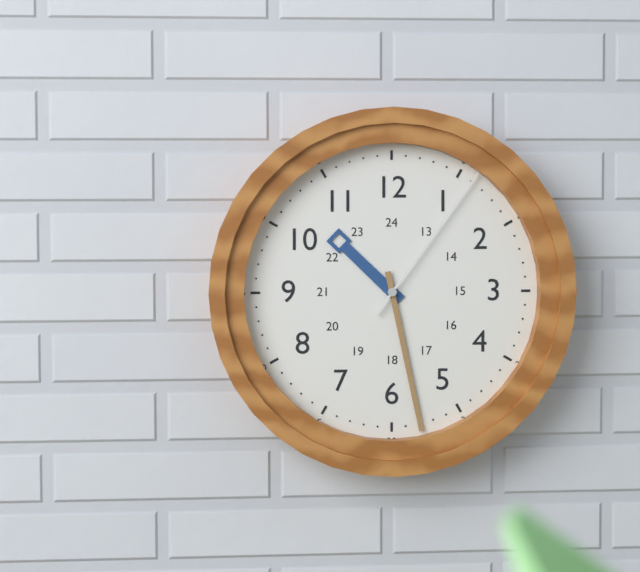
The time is 10:28:06
